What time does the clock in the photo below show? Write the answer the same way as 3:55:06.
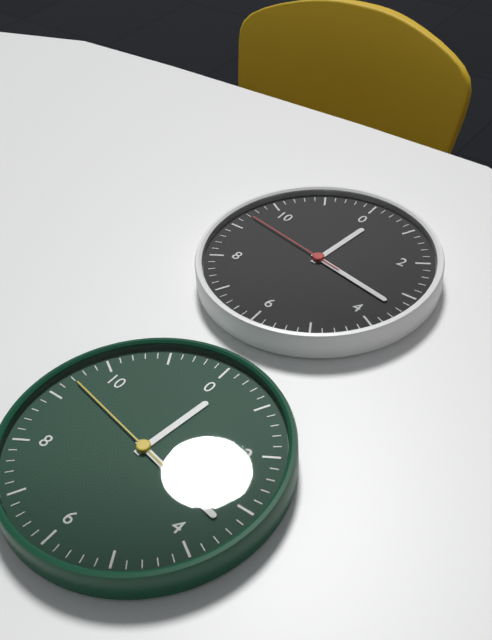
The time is 12:17:47
